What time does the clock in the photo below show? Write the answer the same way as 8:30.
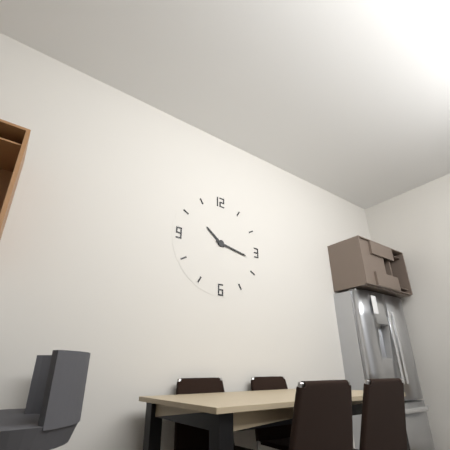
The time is 10:17
